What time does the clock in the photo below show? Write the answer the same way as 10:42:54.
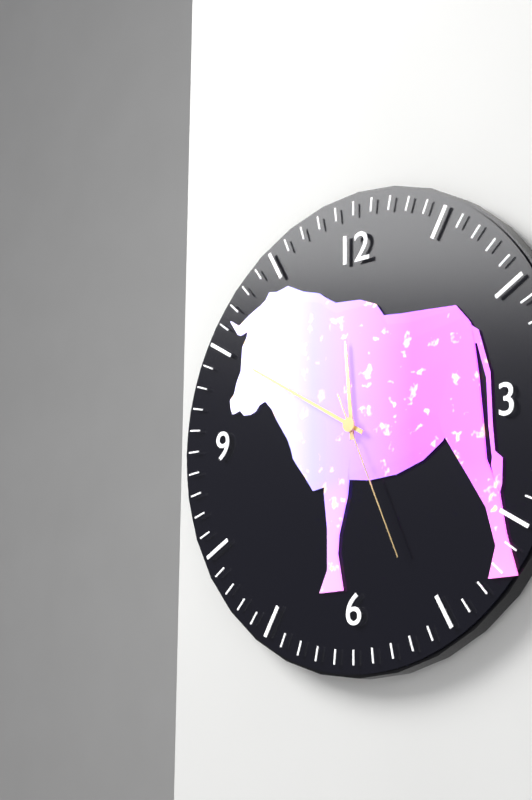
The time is 11:50:26
